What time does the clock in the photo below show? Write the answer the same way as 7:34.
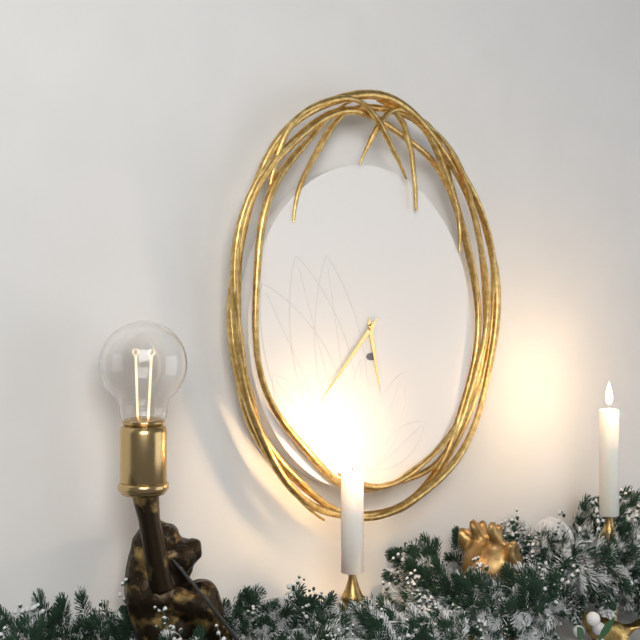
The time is 5:37
